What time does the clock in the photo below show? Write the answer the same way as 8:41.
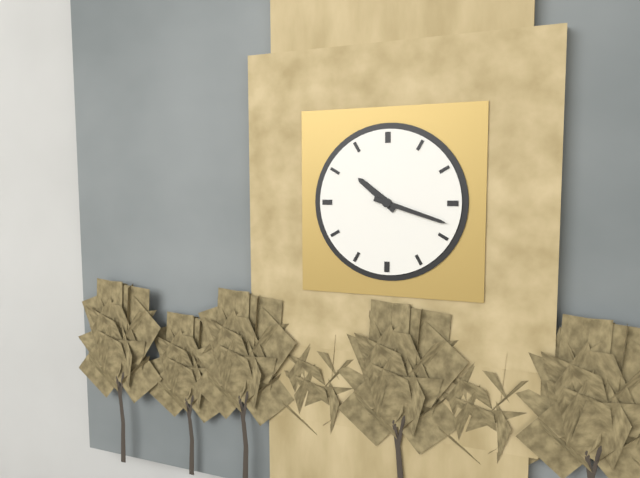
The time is 10:18
